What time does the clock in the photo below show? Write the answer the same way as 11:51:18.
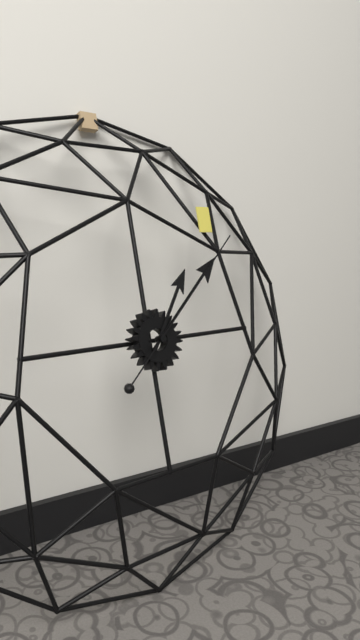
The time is 1:08:08
